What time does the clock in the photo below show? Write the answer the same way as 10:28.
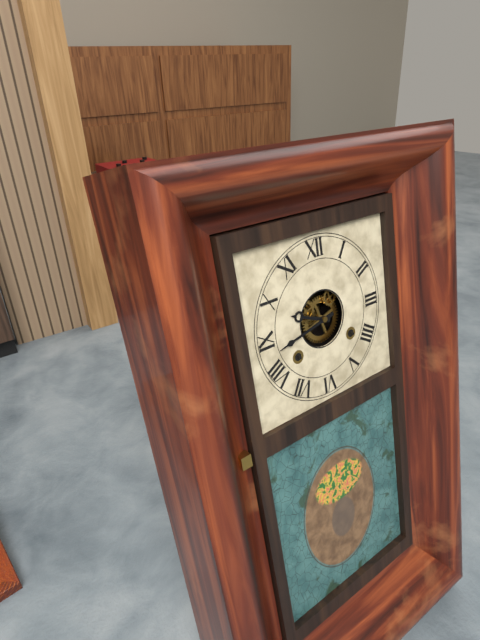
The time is 9:43
